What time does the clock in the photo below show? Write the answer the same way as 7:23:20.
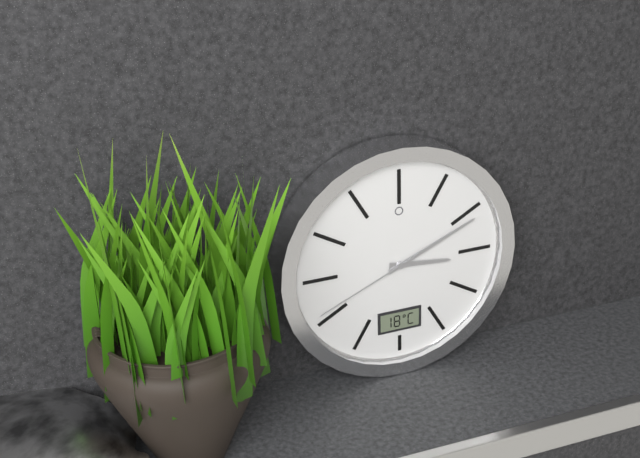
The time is 3:11:41
